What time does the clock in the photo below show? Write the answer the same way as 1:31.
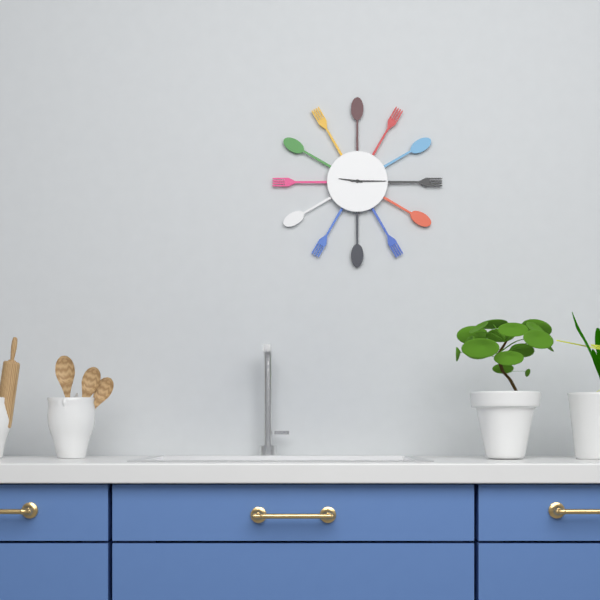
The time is 9:15
